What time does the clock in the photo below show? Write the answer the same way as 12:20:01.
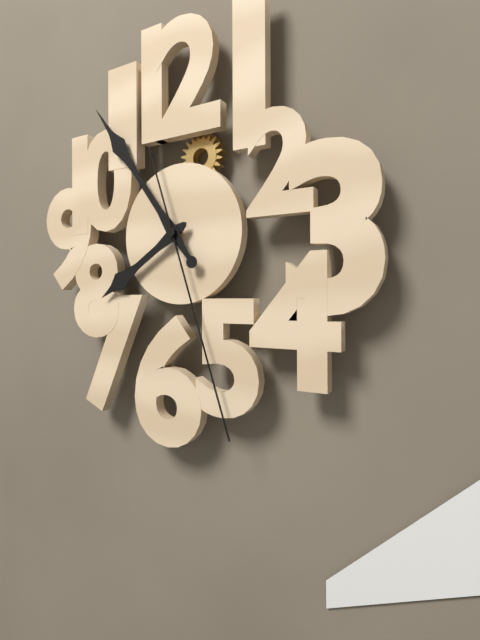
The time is 7:54:27
